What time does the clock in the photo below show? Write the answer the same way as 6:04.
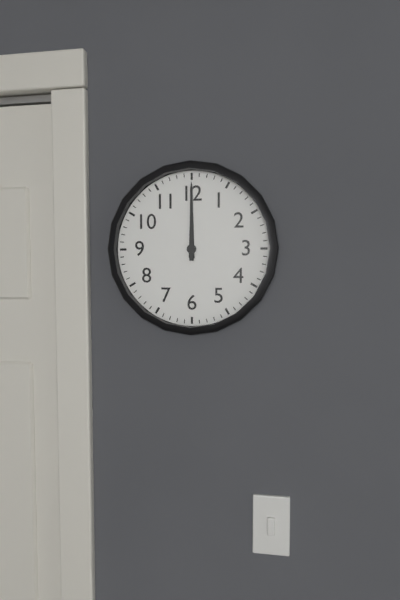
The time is 12:00
